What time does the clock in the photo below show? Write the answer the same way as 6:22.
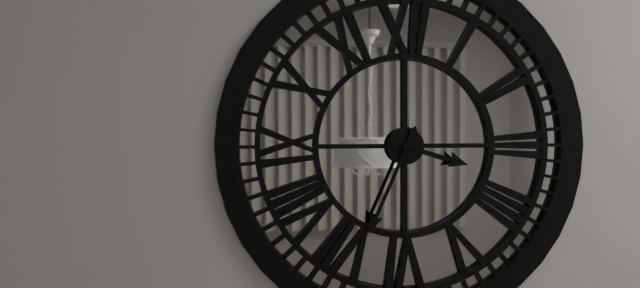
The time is 3:34
